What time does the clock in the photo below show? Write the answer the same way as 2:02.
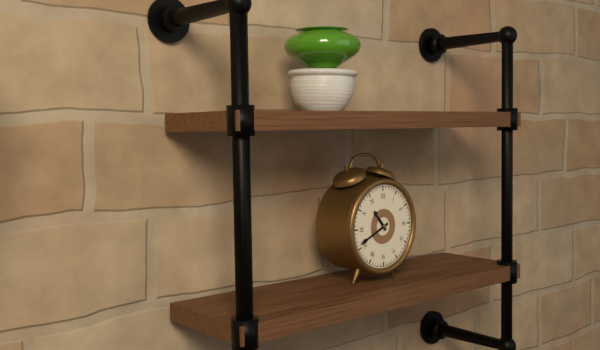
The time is 10:41
